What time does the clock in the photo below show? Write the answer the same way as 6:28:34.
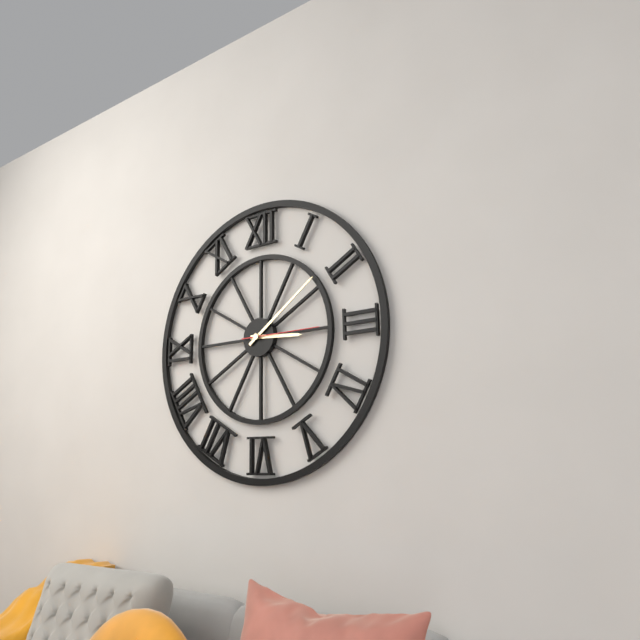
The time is 3:09:15
